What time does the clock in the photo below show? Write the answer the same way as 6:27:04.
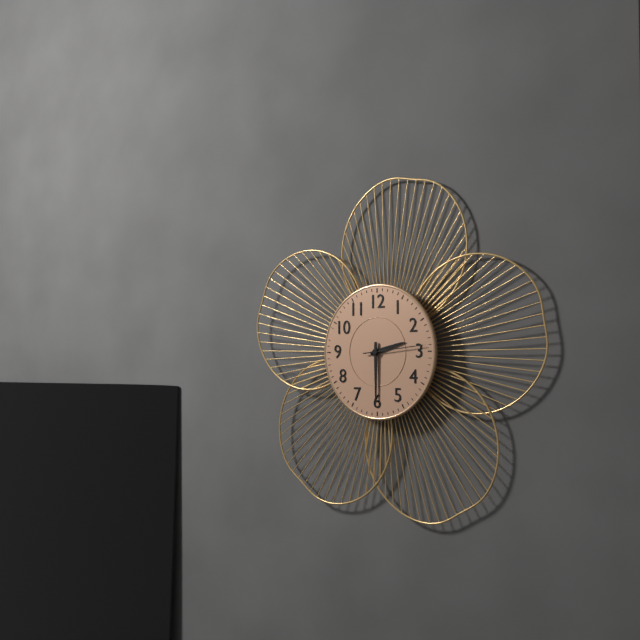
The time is 2:30:14
